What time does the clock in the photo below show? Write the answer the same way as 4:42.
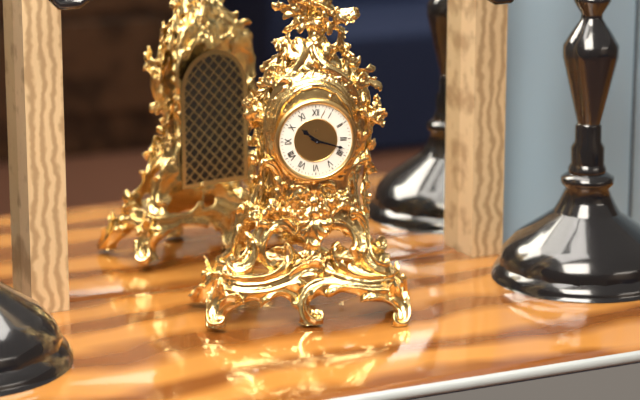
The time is 10:18
